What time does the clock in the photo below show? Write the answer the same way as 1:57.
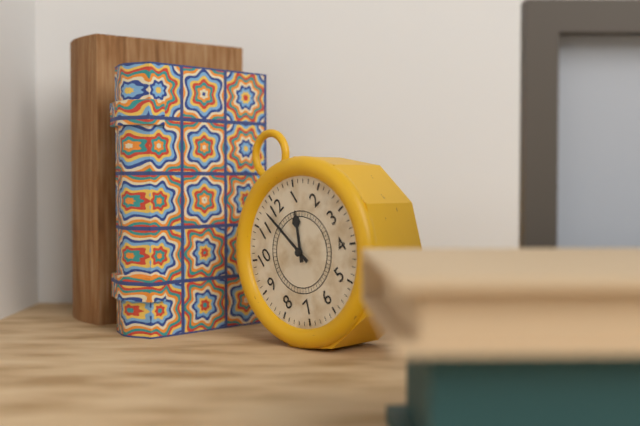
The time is 12:58
